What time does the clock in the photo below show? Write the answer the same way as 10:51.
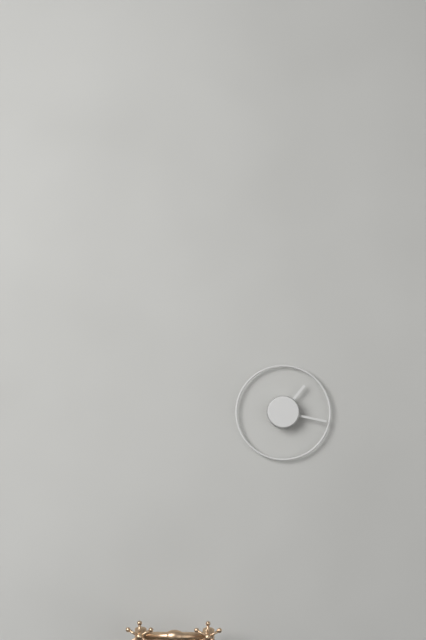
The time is 1:17
